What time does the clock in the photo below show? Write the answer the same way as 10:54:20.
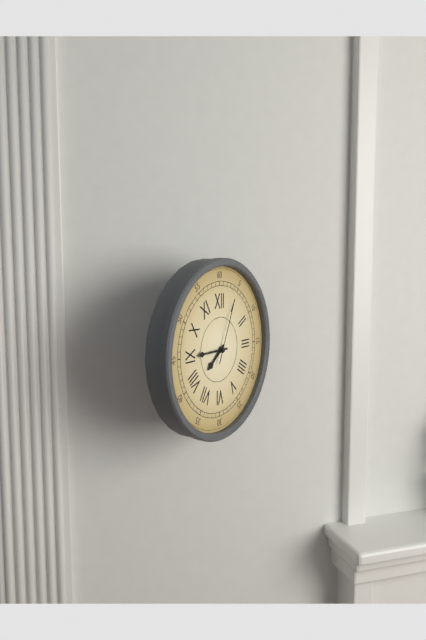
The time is 7:45:04
